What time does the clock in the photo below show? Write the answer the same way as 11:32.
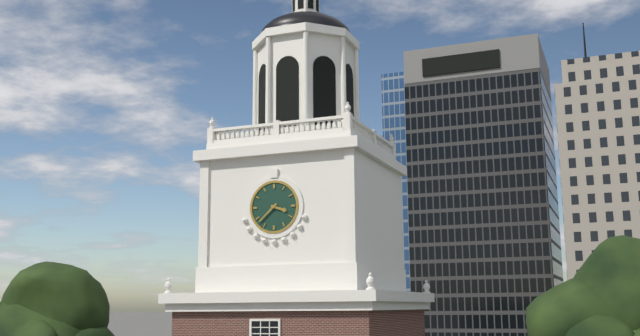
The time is 3:38
